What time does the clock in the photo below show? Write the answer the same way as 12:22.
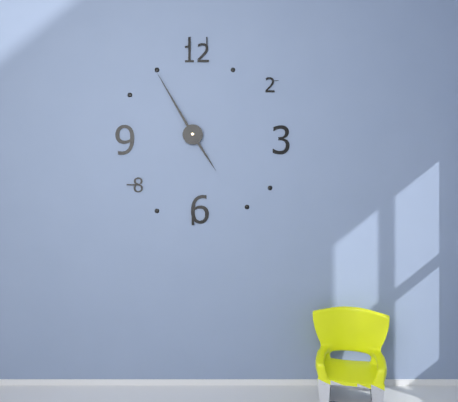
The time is 4:55
